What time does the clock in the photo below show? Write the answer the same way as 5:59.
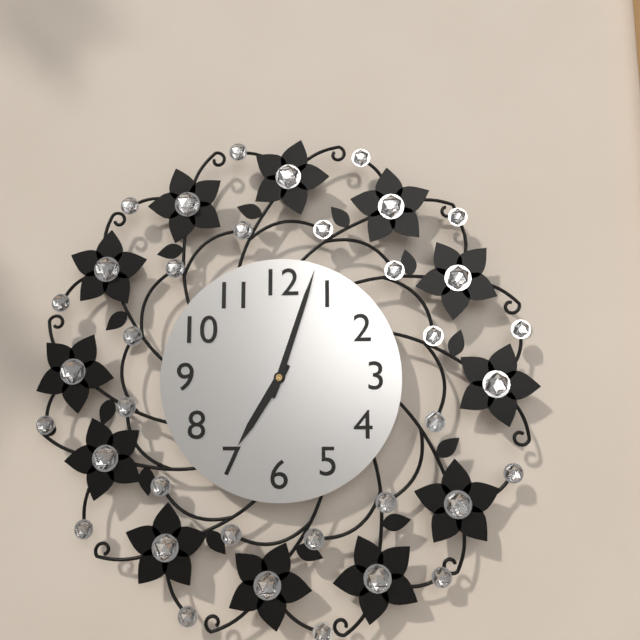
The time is 7:03
